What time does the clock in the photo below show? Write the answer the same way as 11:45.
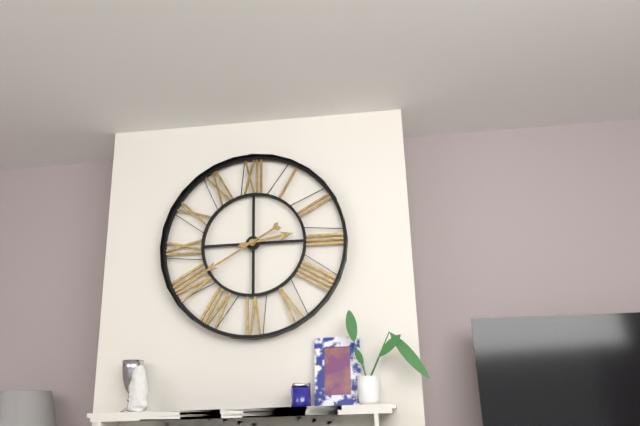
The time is 2:40
